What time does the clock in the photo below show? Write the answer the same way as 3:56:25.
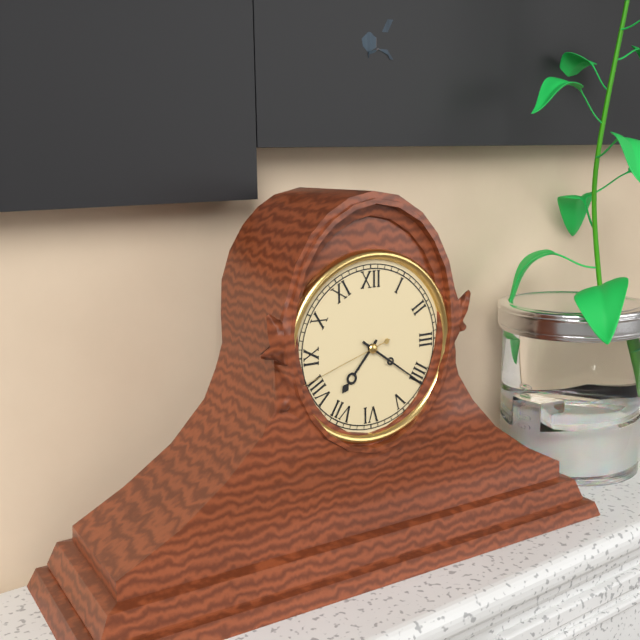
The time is 7:21:42
